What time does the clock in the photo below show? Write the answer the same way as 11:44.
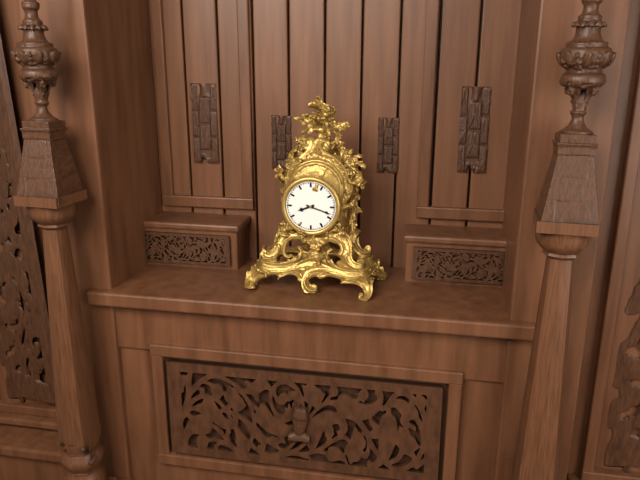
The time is 8:18
